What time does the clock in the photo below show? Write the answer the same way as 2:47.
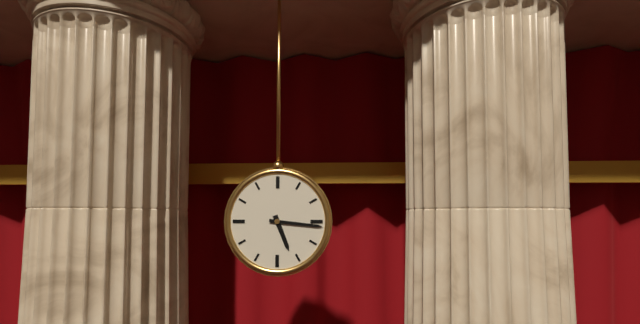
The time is 5:16
